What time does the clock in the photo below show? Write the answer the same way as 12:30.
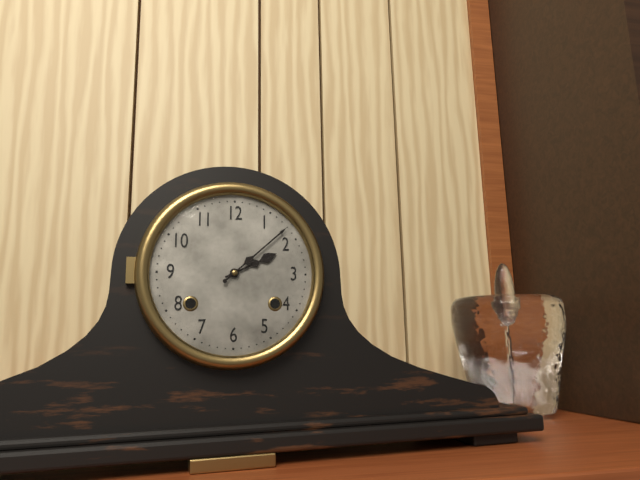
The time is 2:08
